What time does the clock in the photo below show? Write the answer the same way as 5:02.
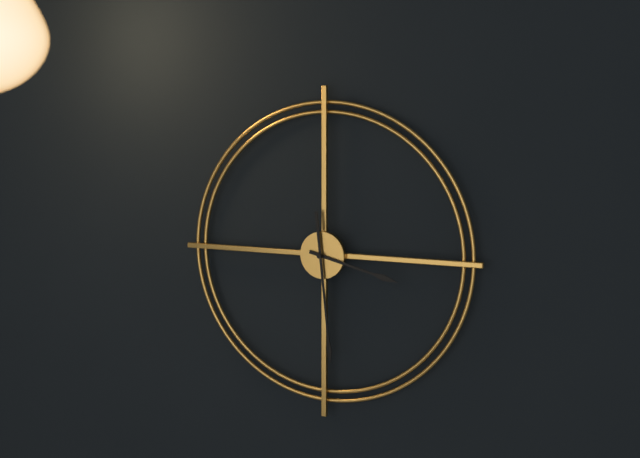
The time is 3:29
